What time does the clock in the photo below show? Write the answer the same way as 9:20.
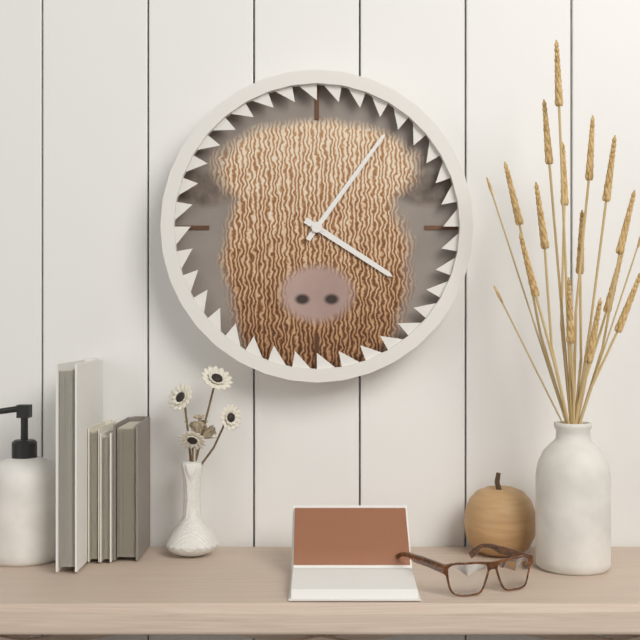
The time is 4:06
